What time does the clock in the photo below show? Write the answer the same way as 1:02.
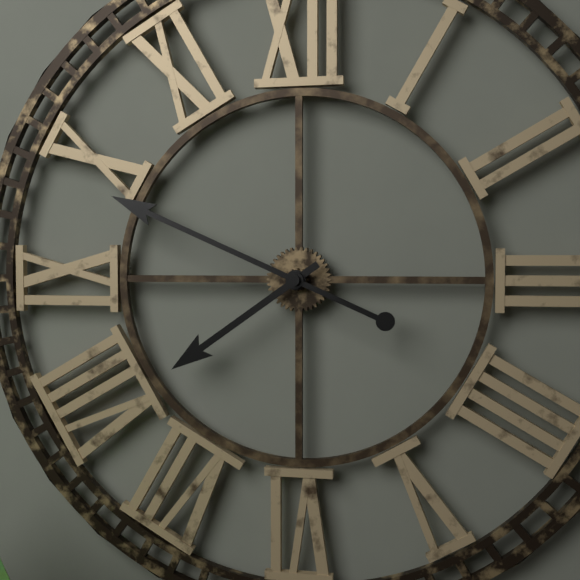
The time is 7:49
